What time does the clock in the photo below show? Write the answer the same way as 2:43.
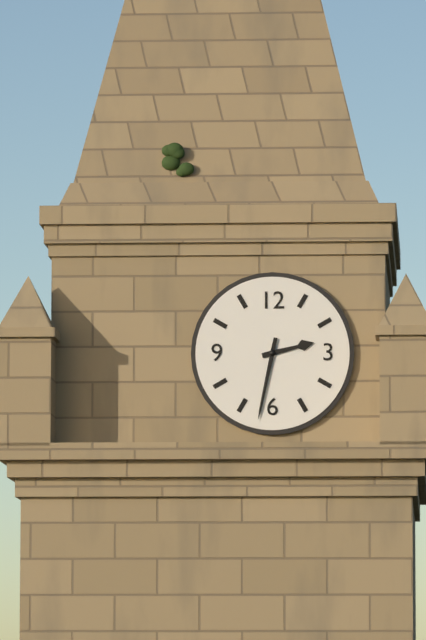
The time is 2:32
